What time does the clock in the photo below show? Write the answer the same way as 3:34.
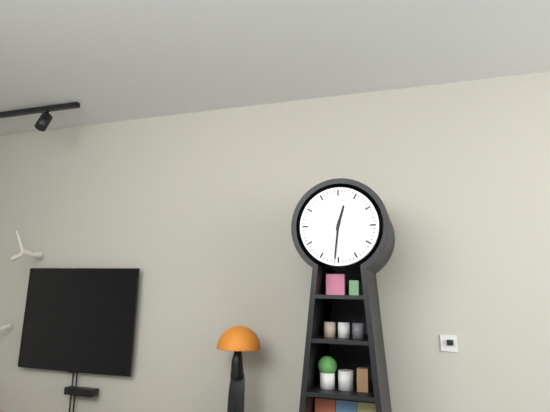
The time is 12:31
